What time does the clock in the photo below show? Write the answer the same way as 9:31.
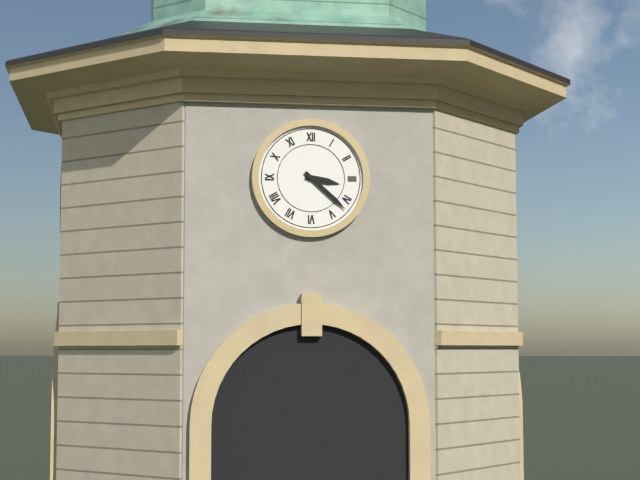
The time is 3:22
